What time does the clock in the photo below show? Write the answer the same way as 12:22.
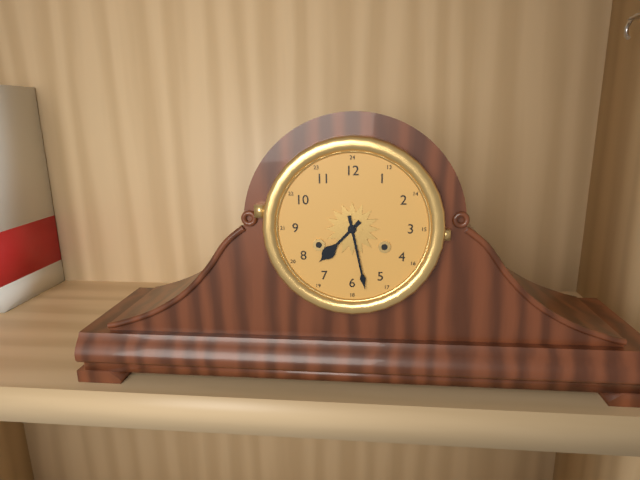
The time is 7:28
